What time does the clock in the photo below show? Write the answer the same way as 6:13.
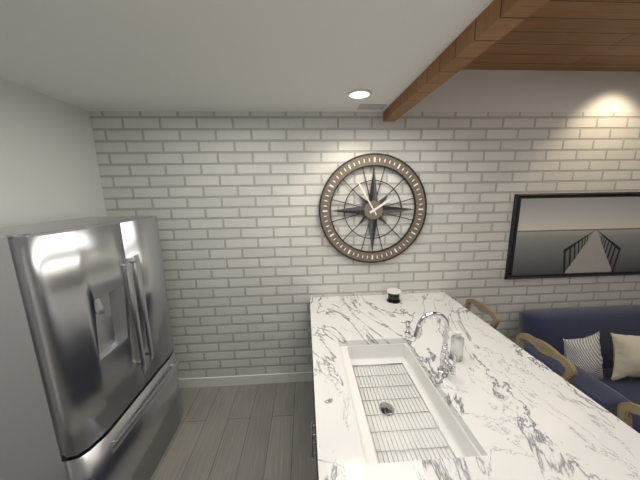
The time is 1:55
